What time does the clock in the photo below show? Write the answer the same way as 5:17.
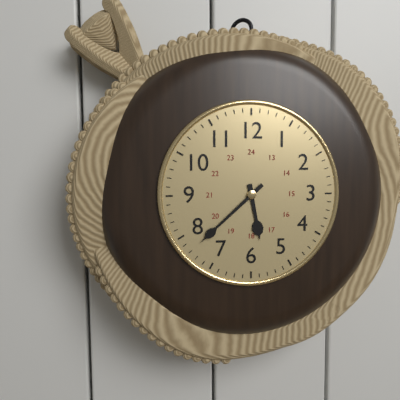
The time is 5:38
